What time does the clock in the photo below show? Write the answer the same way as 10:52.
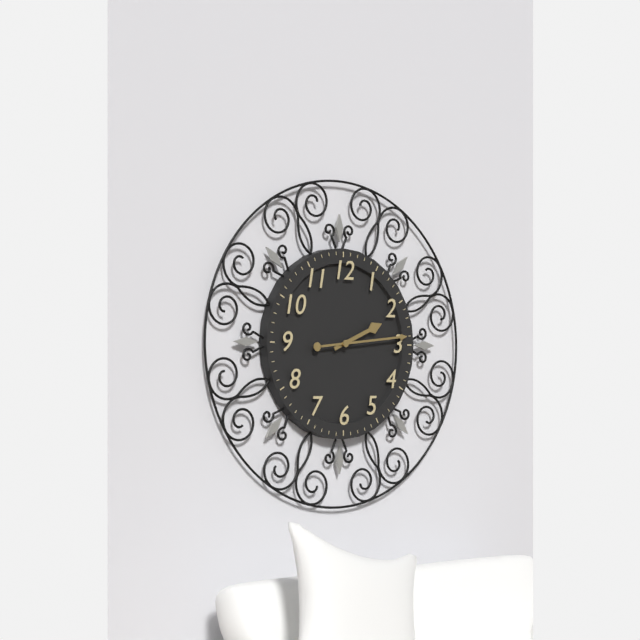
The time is 2:14
